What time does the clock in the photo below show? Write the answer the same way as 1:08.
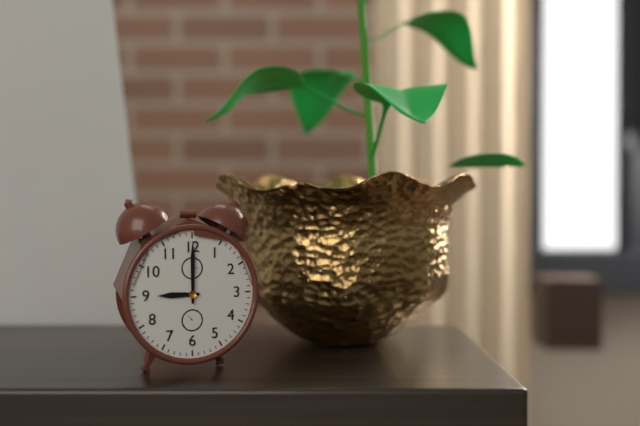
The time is 9:00
